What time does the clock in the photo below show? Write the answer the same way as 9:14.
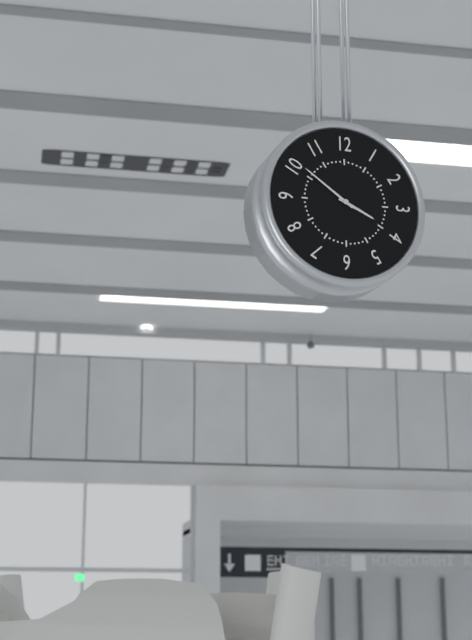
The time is 3:51
